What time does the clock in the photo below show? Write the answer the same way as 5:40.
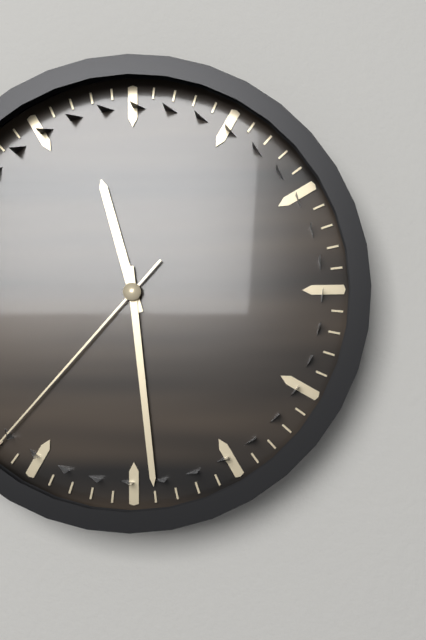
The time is 11:29
